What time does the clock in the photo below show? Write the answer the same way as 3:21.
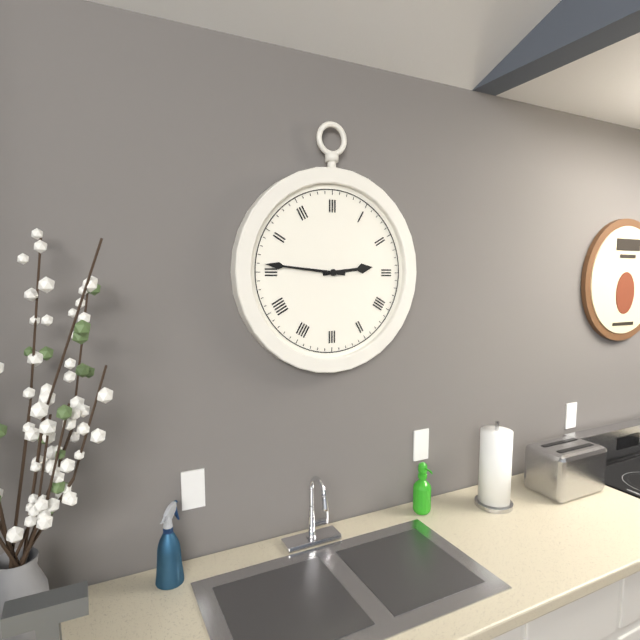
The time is 2:46
